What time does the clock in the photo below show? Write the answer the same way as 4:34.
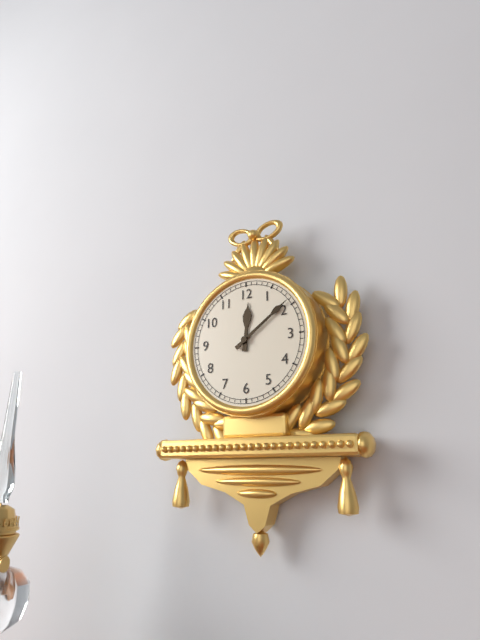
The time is 12:09
